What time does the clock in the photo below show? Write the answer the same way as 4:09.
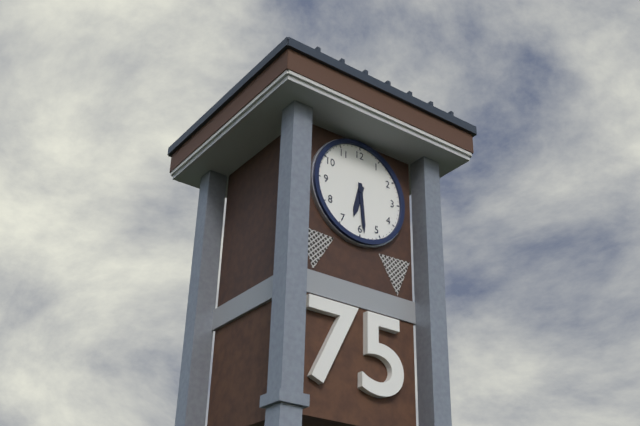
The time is 6:29
